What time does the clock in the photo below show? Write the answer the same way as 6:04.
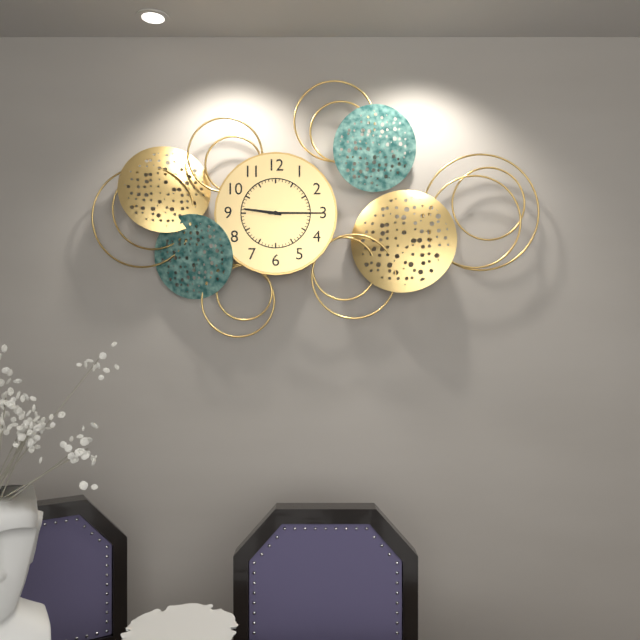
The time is 9:15
